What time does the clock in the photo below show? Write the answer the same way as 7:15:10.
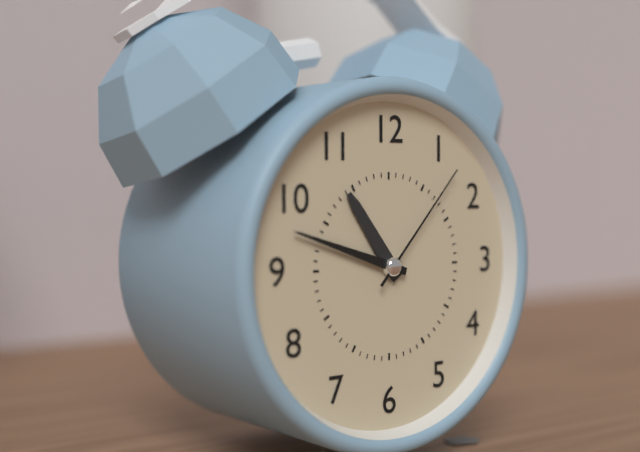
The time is 10:48:07
